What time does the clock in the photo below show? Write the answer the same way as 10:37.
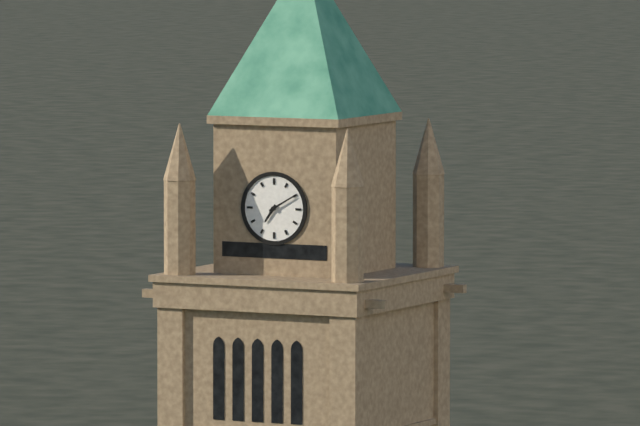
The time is 7:10
